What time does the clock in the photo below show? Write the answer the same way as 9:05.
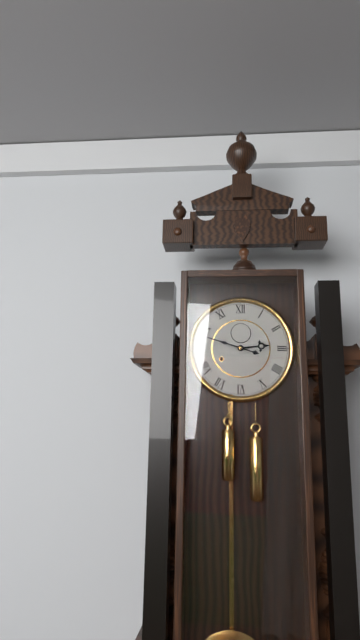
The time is 2:48
